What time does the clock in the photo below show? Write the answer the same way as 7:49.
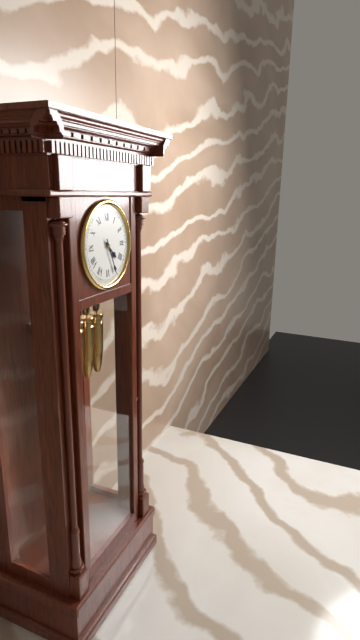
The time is 4:26
